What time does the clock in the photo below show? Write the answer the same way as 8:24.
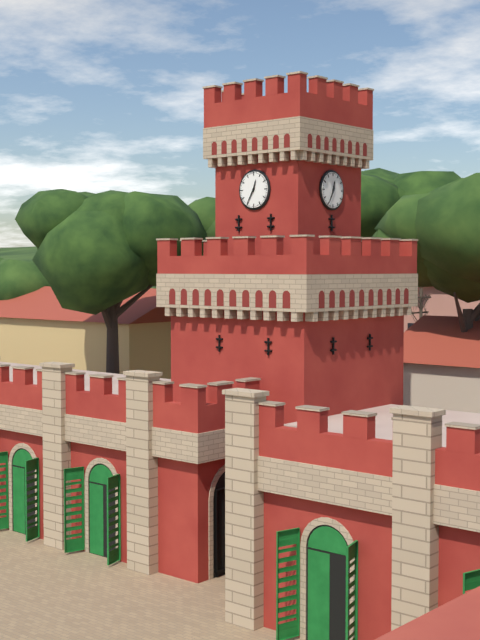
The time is 12:35
